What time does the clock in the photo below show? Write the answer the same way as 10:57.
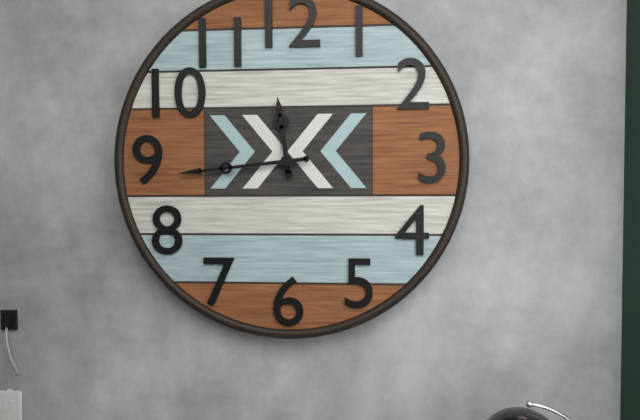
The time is 11:44
